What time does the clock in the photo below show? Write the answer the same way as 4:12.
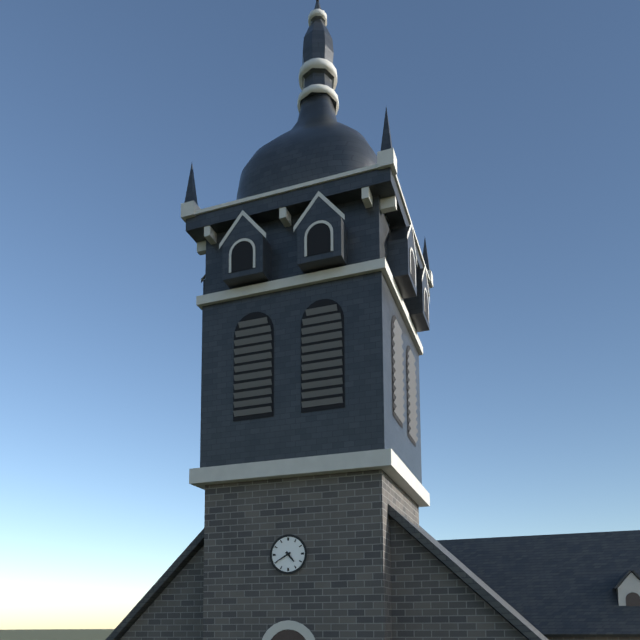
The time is 4:40
